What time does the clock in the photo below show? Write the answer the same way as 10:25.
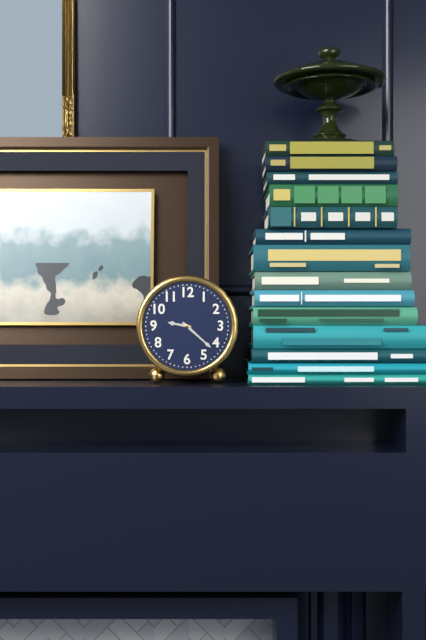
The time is 9:22
